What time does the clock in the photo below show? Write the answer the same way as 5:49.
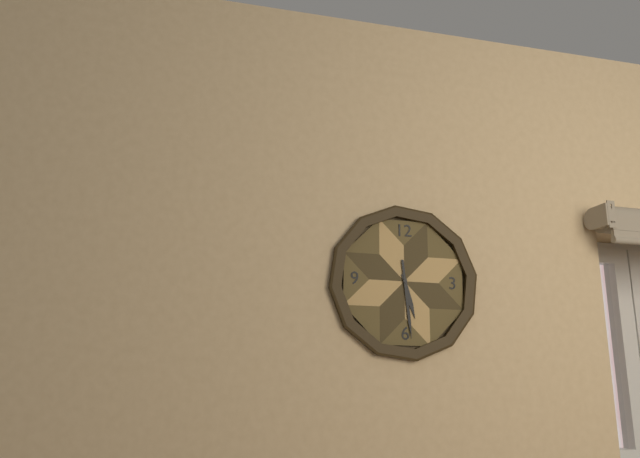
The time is 5:29
